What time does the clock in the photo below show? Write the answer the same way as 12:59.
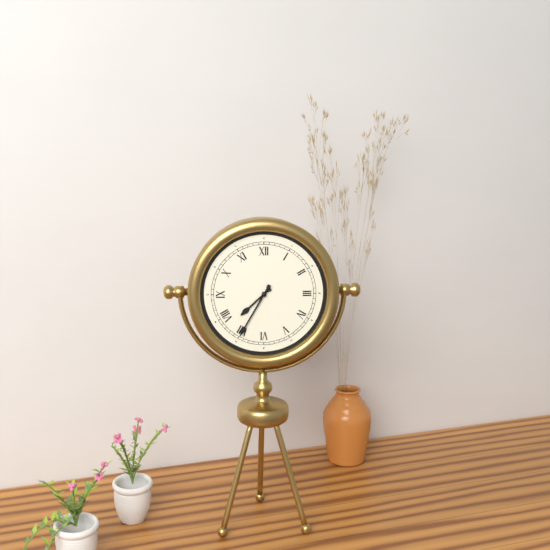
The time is 7:35
